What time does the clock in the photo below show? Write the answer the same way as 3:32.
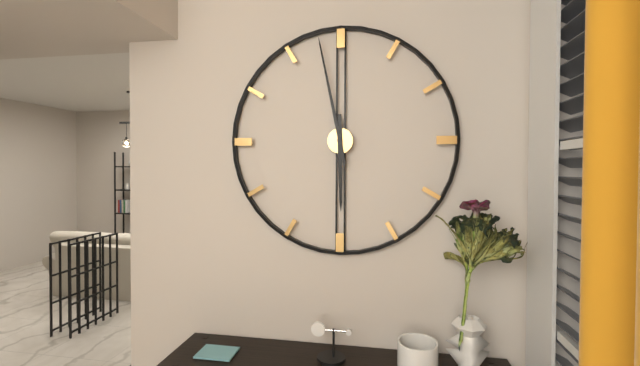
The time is 5:58
